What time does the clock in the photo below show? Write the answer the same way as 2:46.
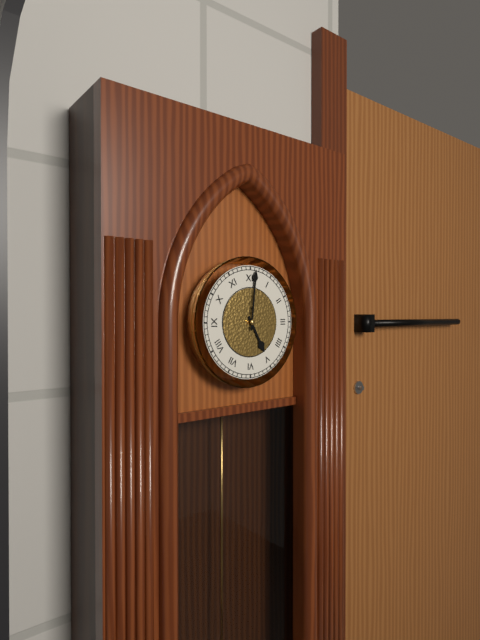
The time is 5:01
